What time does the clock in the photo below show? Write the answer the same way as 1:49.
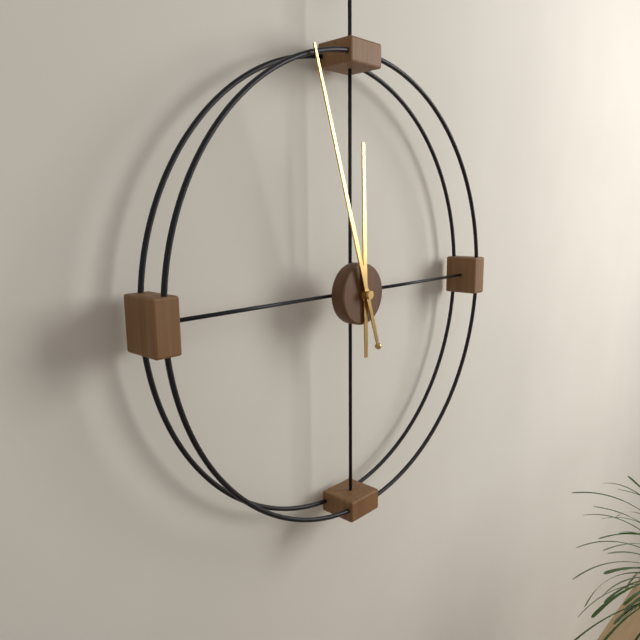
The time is 11:57
